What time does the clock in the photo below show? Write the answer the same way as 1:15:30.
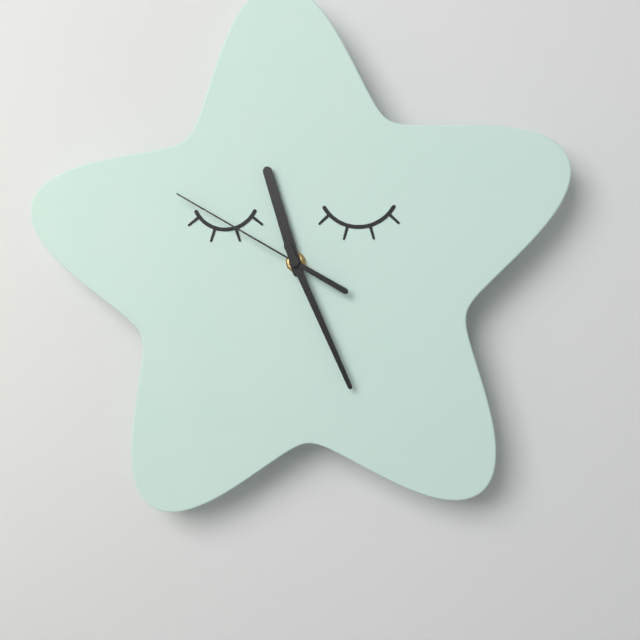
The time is 11:26:50
